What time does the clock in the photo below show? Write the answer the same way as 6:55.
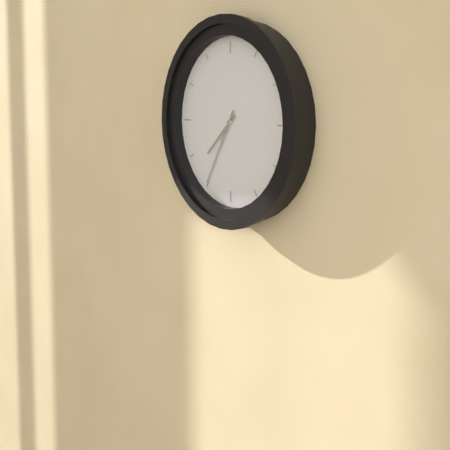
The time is 7:35
